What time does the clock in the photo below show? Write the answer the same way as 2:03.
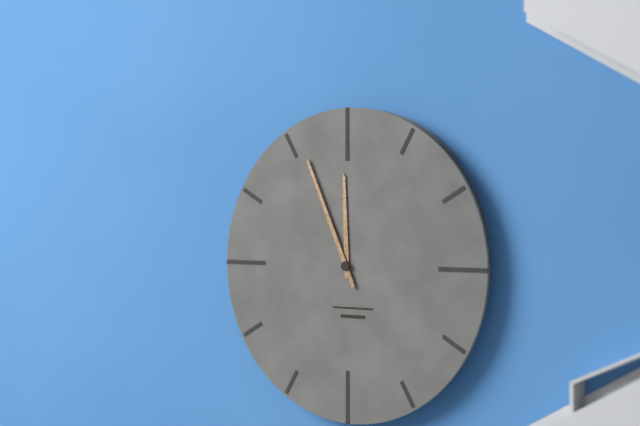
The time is 11:56
